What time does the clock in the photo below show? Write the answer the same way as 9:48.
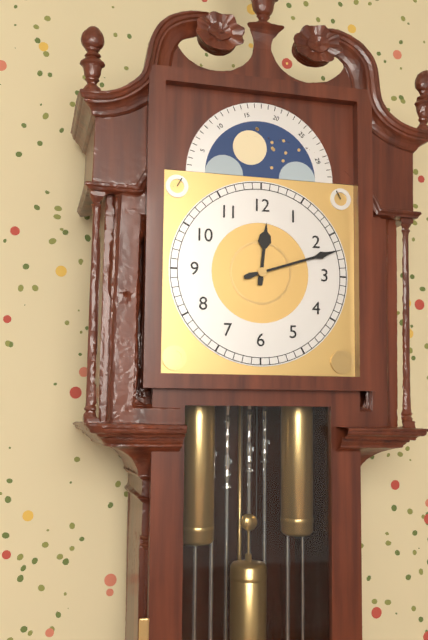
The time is 12:12
